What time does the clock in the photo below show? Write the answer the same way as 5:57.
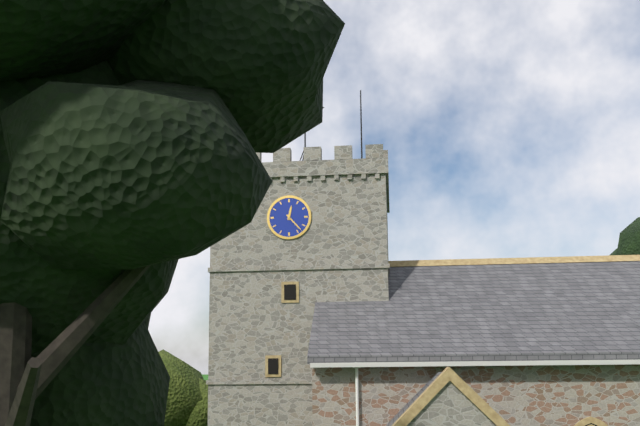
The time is 12:23
